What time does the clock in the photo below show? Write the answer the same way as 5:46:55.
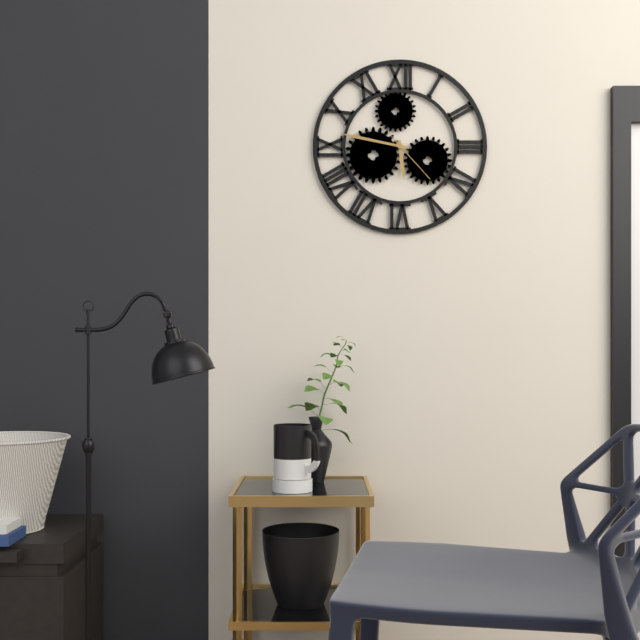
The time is 5:47:23
